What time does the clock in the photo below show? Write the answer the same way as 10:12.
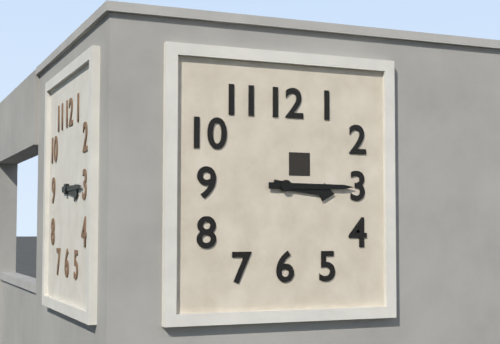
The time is 3:15
